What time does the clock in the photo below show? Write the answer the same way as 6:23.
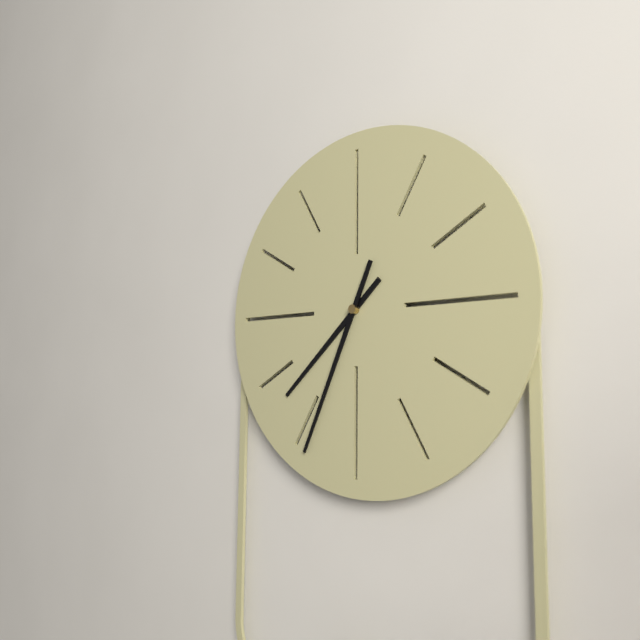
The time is 7:34
